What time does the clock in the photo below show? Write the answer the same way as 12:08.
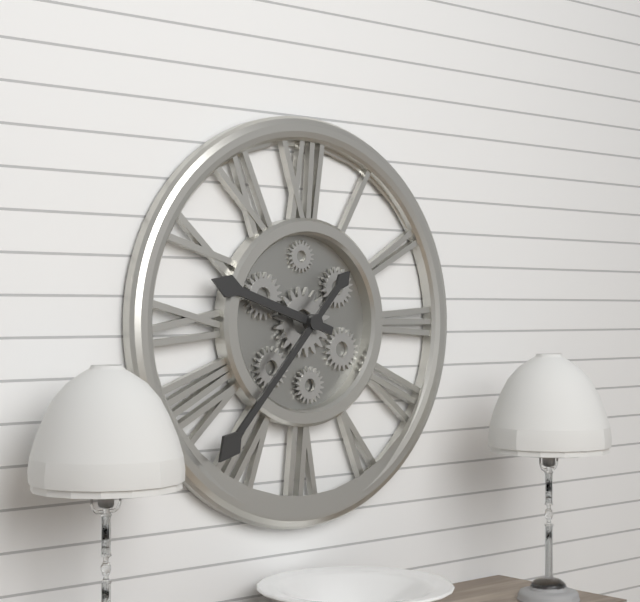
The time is 9:37
